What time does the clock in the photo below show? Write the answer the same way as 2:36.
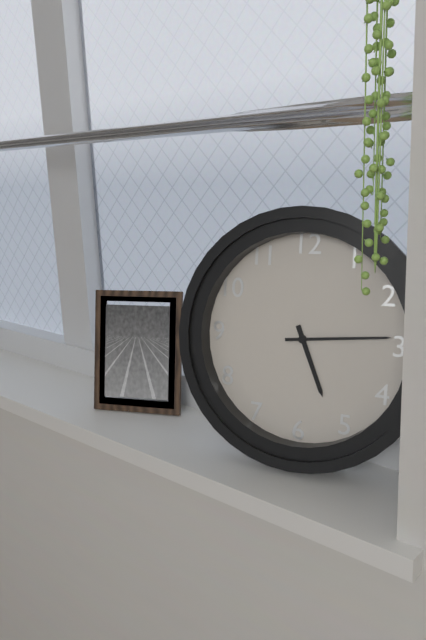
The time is 5:14
